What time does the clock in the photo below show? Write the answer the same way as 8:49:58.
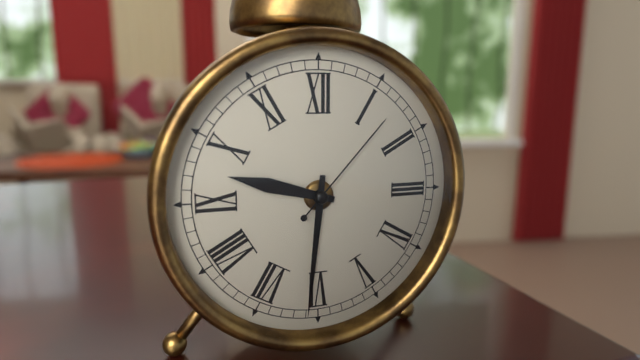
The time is 9:31:07
